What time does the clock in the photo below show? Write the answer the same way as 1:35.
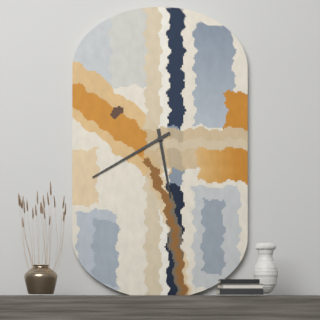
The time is 5:40
